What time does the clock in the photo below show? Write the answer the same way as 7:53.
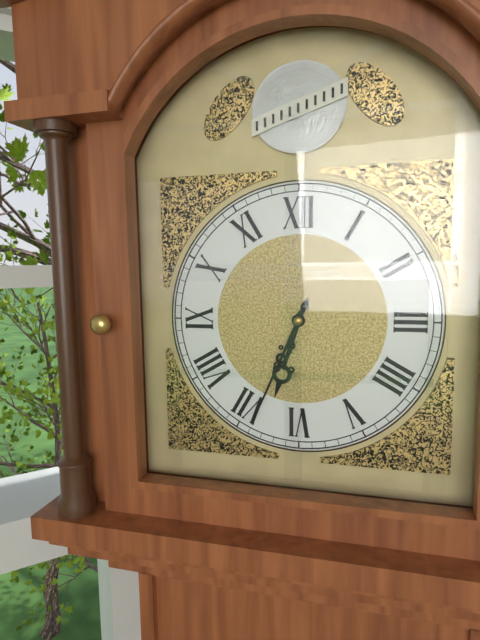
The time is 6:34
